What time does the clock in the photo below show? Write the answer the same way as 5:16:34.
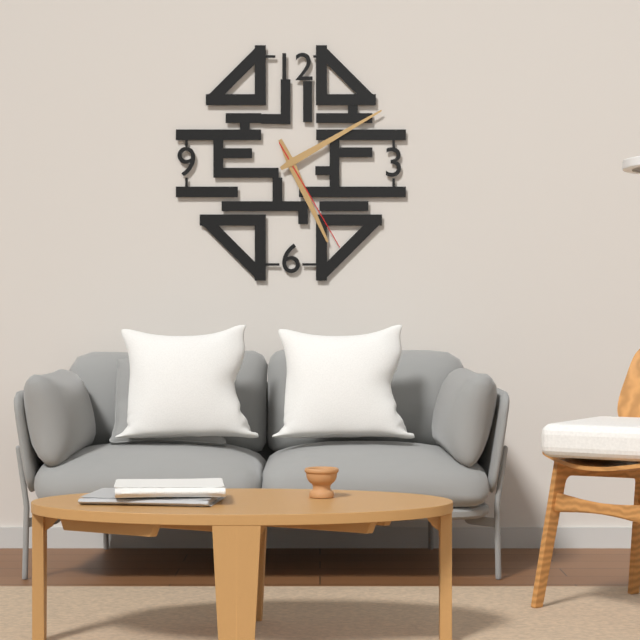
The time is 5:10:25
